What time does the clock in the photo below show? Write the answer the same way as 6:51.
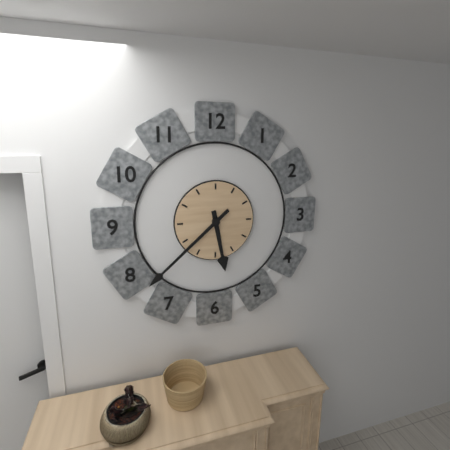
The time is 5:38
